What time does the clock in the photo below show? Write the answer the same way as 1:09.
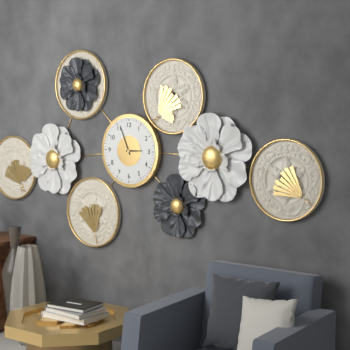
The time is 2:56
